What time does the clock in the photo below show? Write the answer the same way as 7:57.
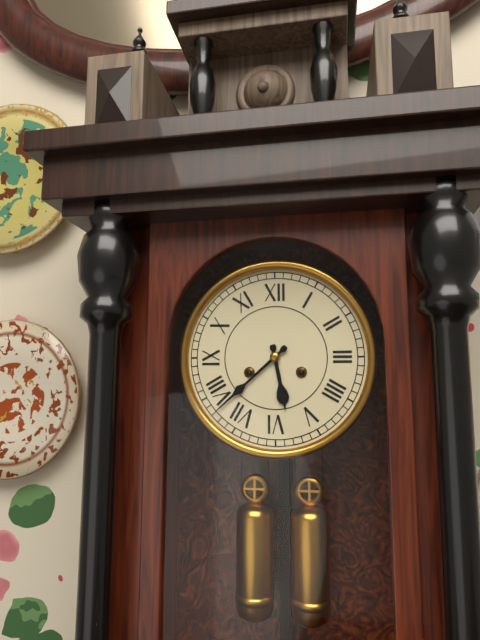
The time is 5:38
